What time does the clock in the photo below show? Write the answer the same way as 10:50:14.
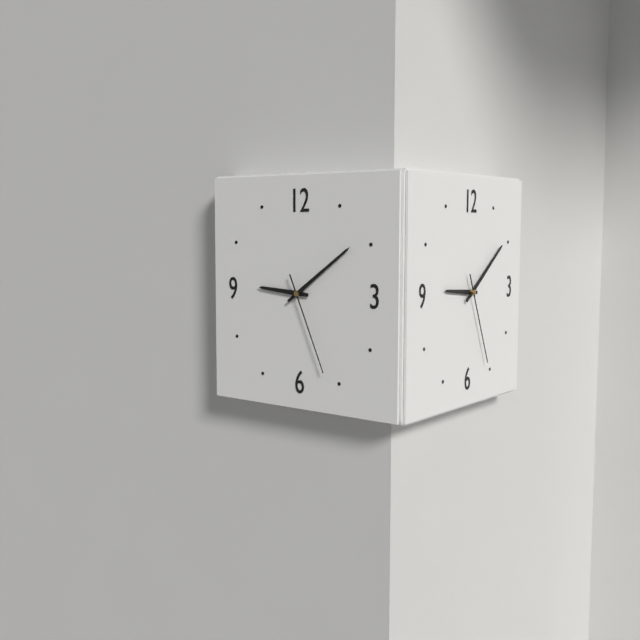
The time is 9:09:26
